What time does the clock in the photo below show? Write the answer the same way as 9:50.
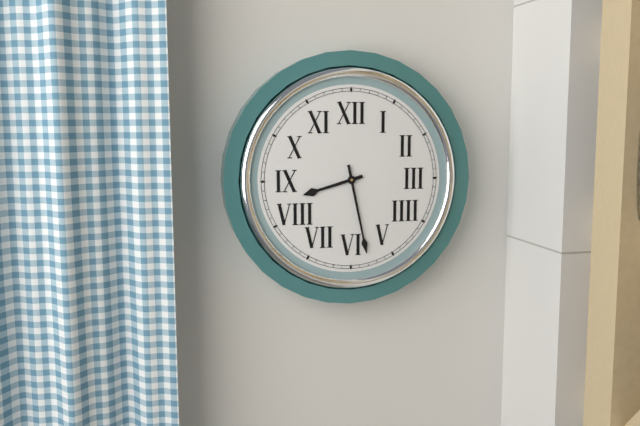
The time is 8:28
